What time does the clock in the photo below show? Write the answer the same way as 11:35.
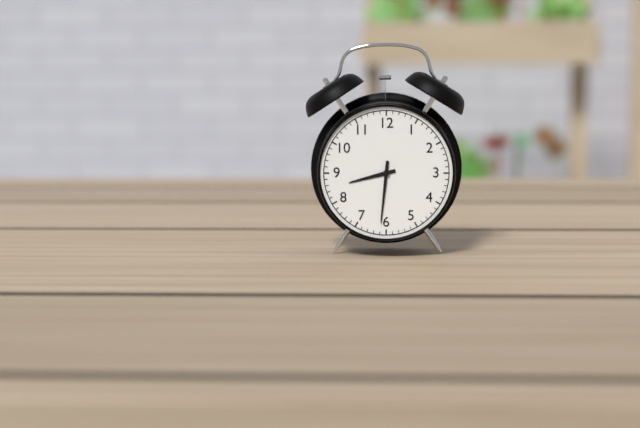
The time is 8:31
